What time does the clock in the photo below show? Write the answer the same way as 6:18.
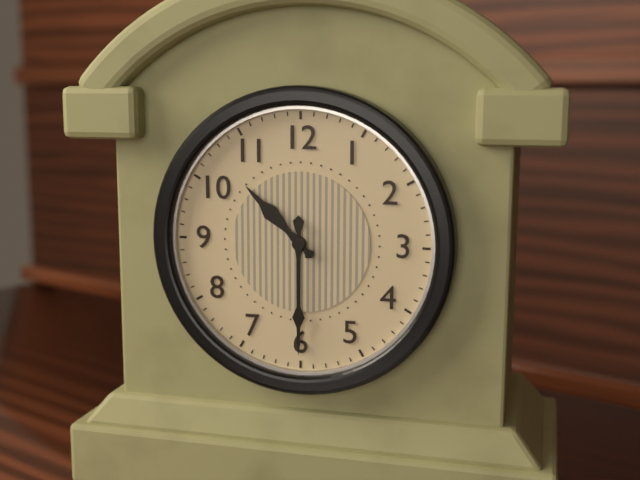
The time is 10:30
